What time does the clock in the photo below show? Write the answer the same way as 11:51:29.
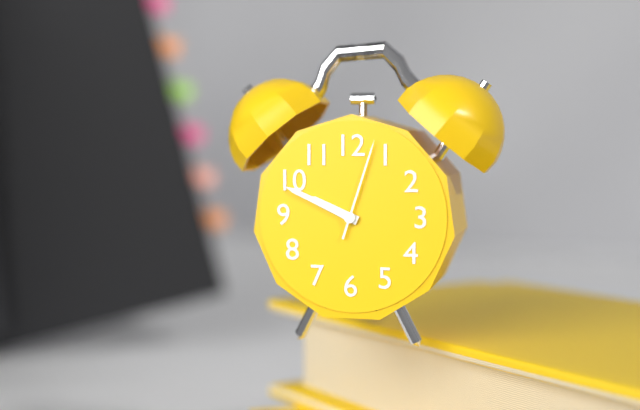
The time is 9:49:03
